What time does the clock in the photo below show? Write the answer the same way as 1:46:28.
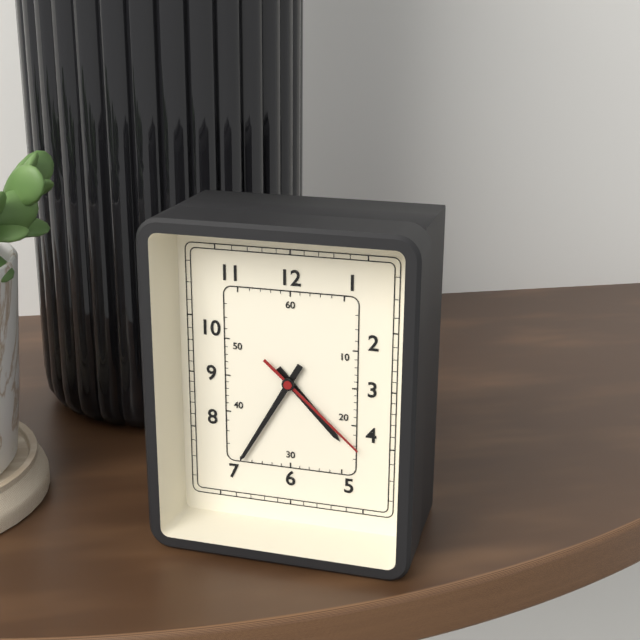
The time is 4:35:22
